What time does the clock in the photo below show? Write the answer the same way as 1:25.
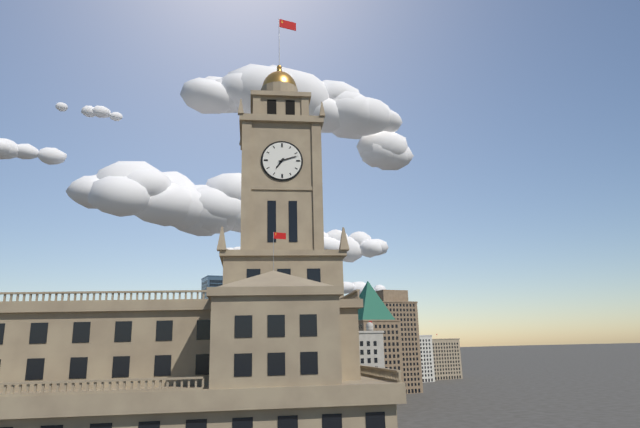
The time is 7:12
